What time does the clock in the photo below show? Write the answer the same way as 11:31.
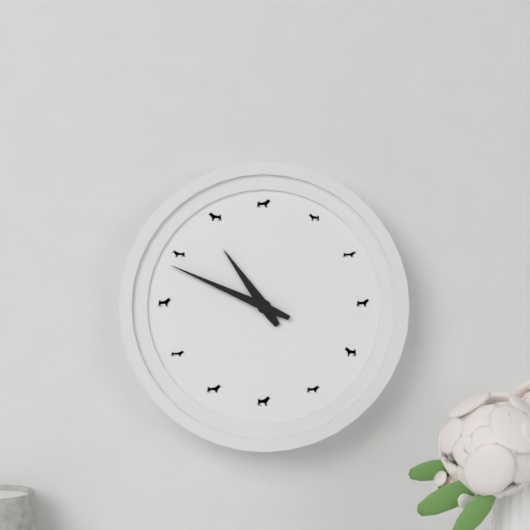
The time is 10:49
